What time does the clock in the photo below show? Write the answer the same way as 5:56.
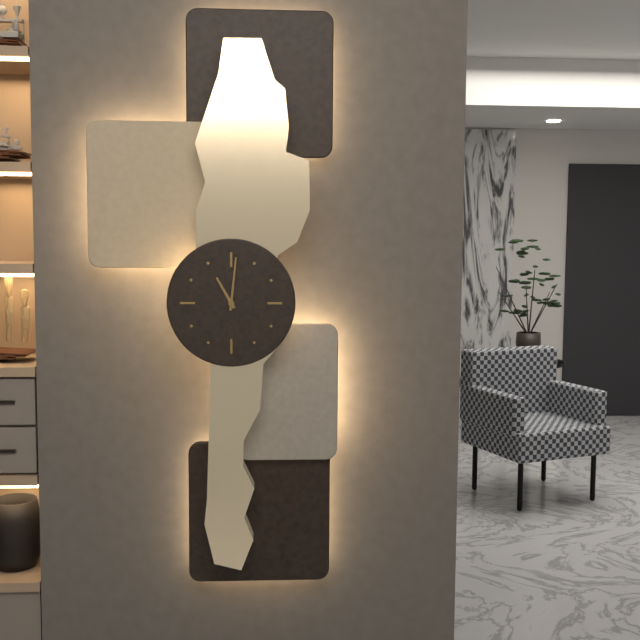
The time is 11:01
